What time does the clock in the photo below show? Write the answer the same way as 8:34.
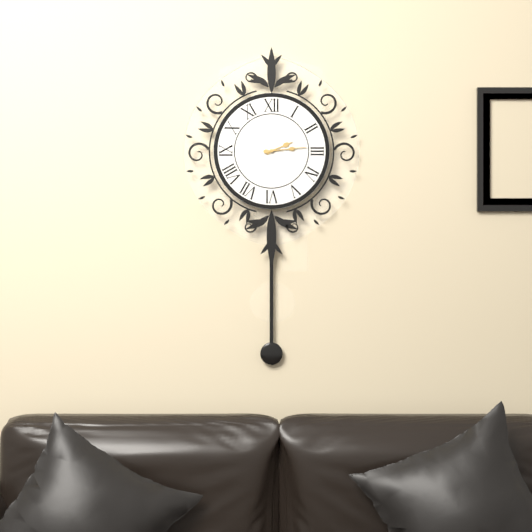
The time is 2:14
